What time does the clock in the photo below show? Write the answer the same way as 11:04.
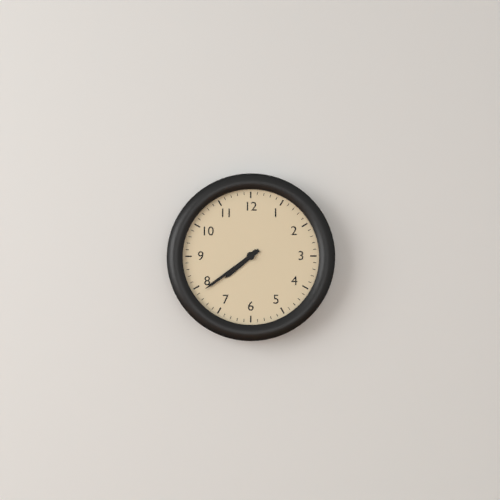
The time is 7:39
